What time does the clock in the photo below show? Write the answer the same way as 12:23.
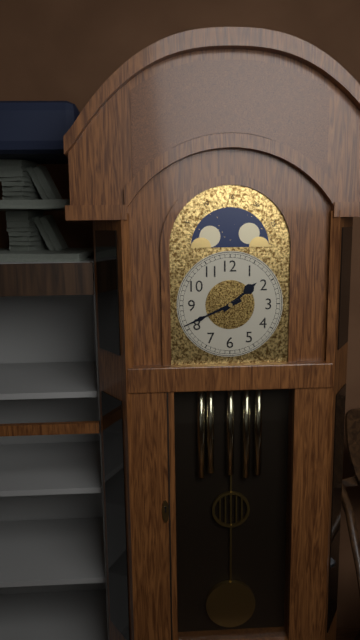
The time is 1:41
